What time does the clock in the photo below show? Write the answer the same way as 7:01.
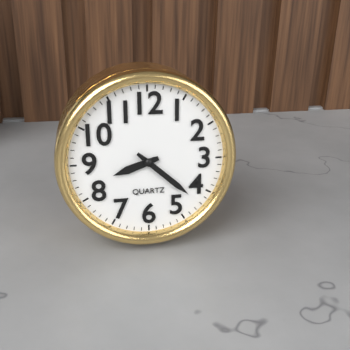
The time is 8:22
